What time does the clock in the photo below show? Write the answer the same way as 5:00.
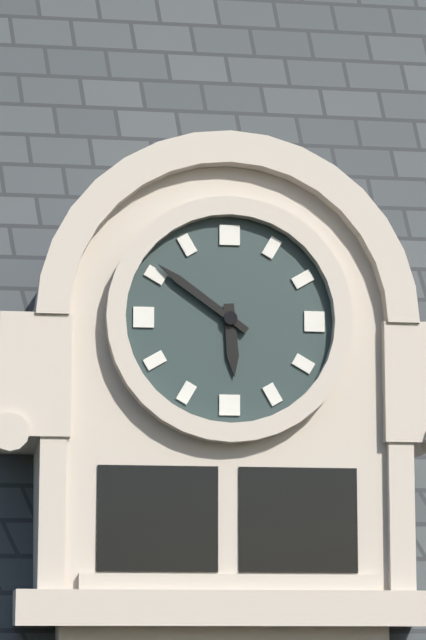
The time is 5:51
